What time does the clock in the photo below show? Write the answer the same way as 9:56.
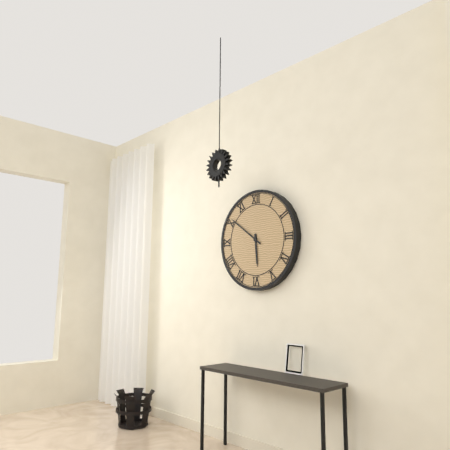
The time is 5:51
